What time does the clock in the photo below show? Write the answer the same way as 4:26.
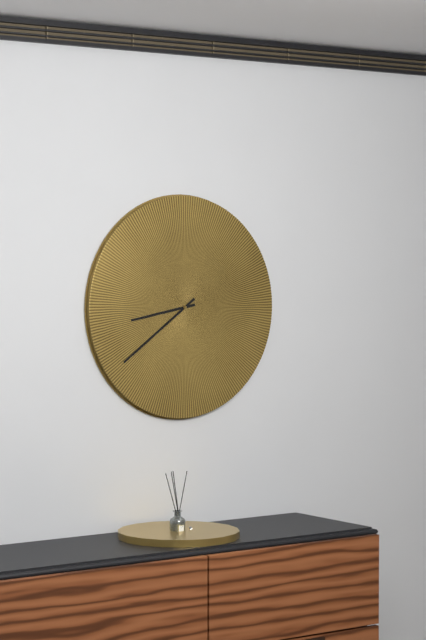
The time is 8:39
